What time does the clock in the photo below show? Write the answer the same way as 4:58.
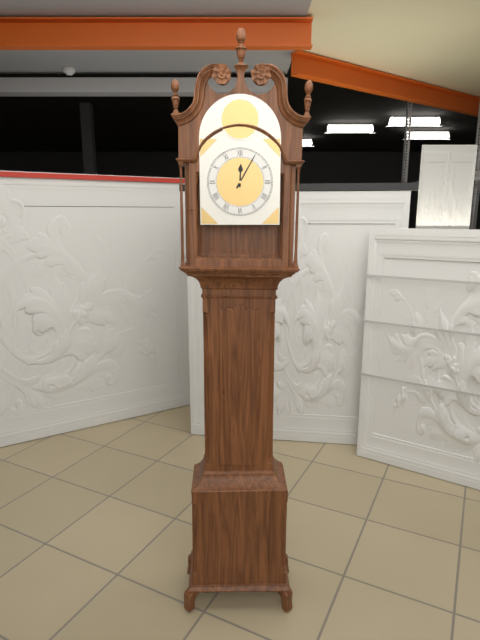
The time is 12:05
